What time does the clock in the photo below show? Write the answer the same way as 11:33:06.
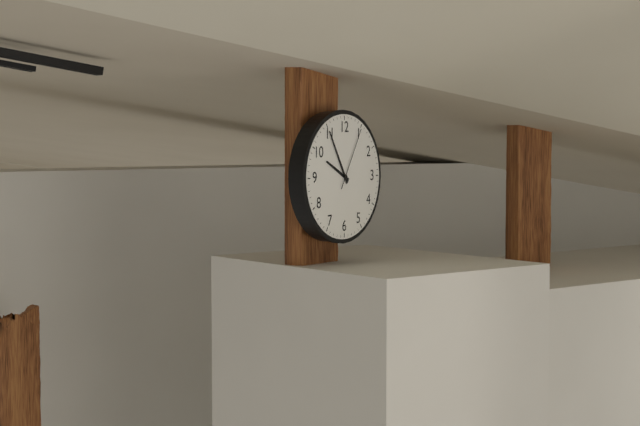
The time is 9:55:05
